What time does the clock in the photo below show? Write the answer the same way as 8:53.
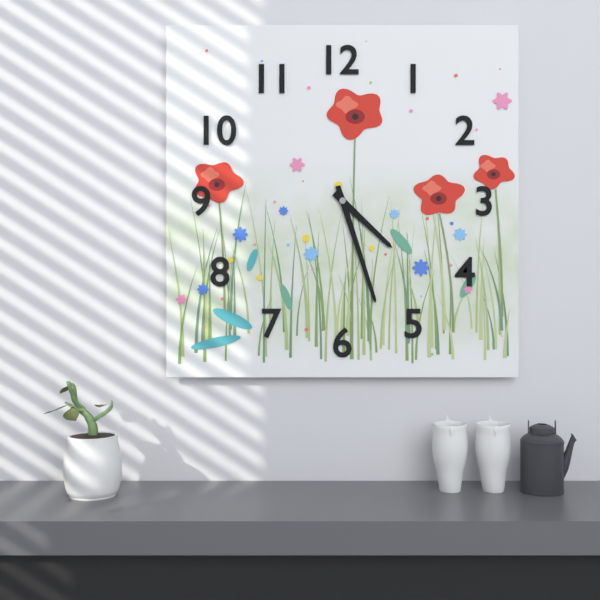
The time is 4:27
